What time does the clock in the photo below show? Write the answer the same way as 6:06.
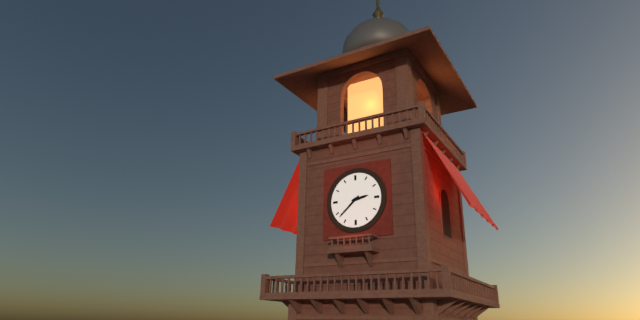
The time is 2:38
